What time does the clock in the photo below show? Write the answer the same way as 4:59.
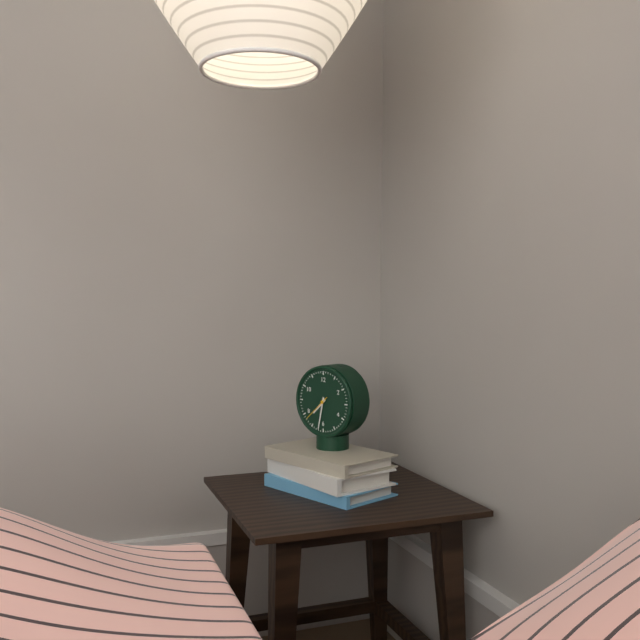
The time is 7:32
